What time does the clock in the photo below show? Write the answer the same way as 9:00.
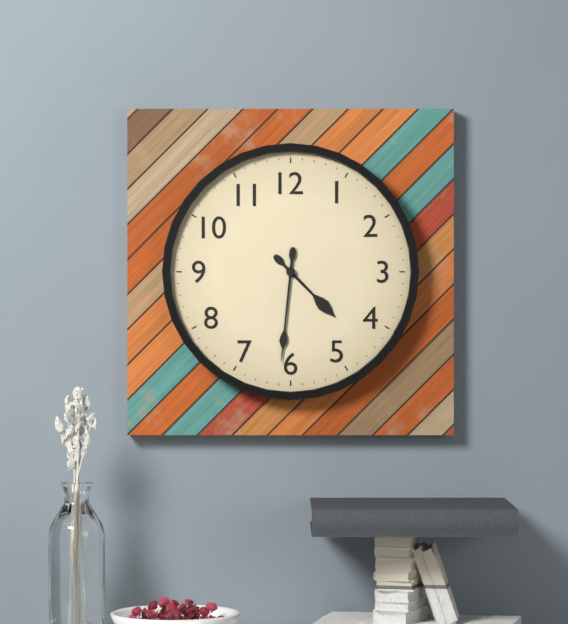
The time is 4:31
